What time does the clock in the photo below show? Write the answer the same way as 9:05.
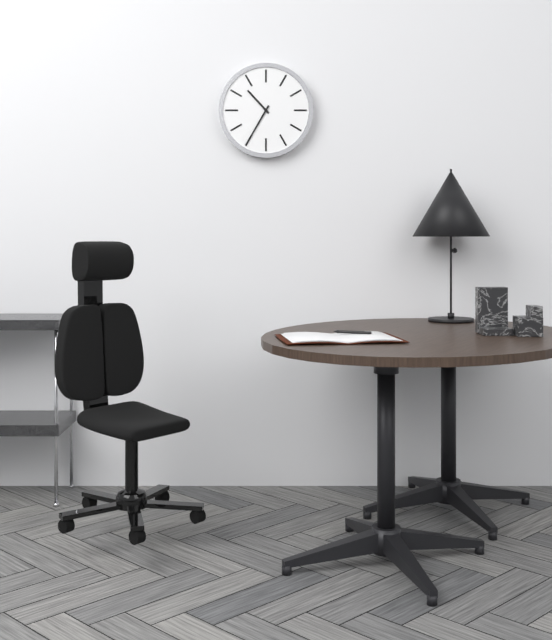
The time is 10:35
